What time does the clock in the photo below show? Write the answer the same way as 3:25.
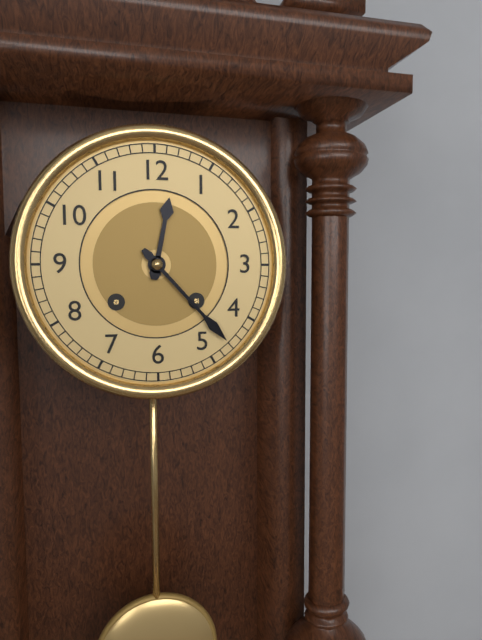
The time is 12:23
